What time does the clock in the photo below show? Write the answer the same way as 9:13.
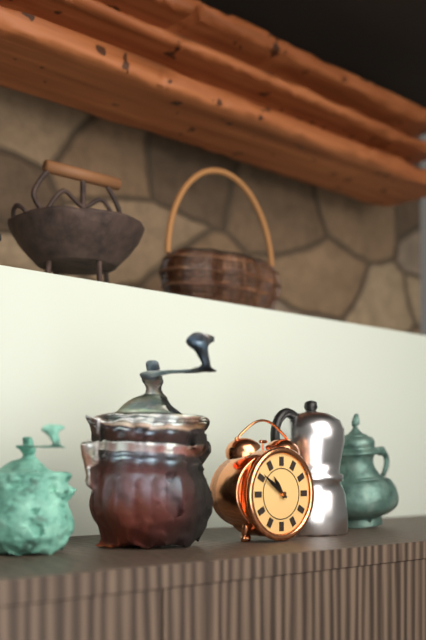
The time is 10:51
